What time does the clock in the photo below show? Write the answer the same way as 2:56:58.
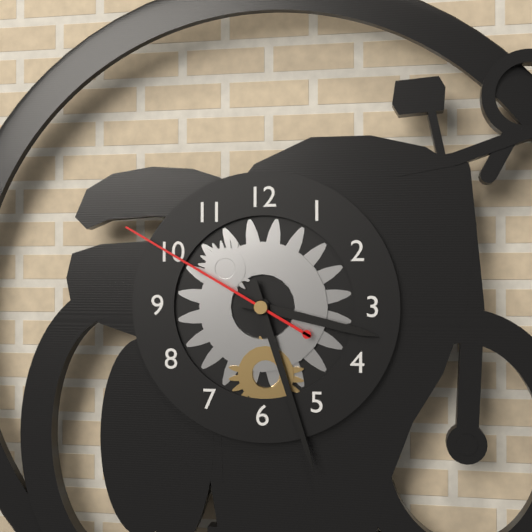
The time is 3:27:50
